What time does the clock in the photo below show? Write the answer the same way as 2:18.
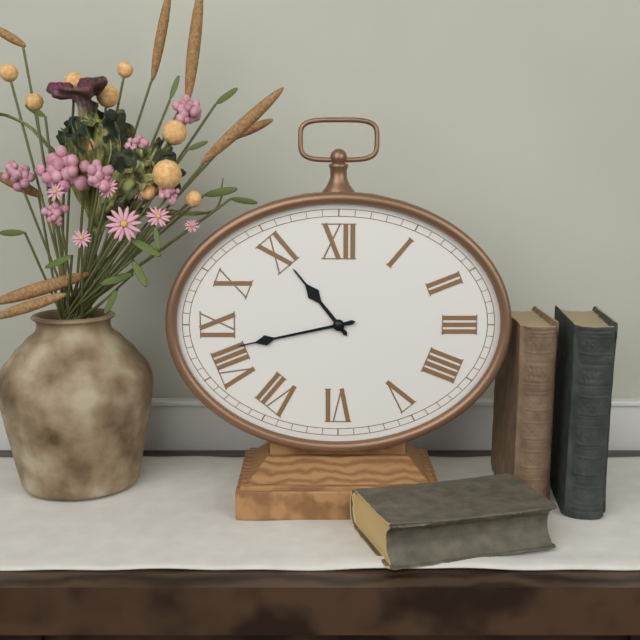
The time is 10:43
